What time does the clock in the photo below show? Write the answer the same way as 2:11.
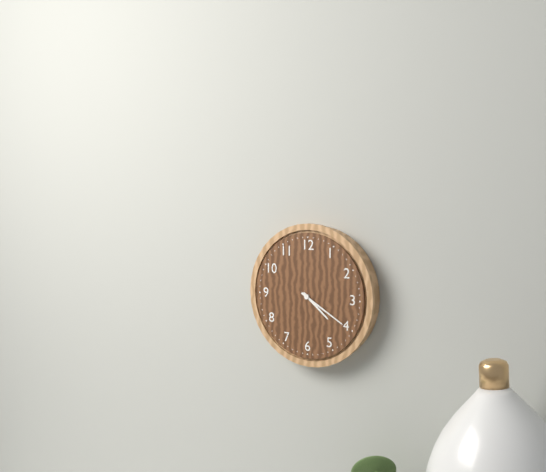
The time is 4:20
